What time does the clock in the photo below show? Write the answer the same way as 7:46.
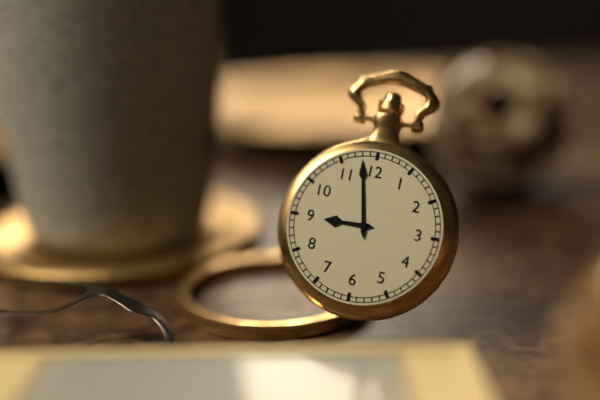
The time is 8:58
